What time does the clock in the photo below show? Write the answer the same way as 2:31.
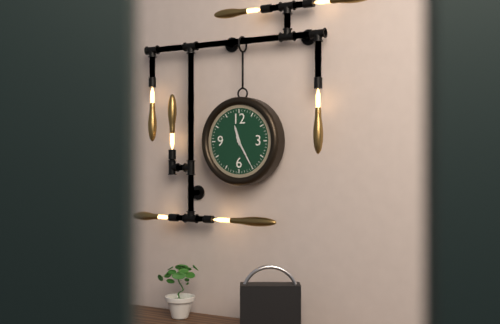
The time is 11:25
